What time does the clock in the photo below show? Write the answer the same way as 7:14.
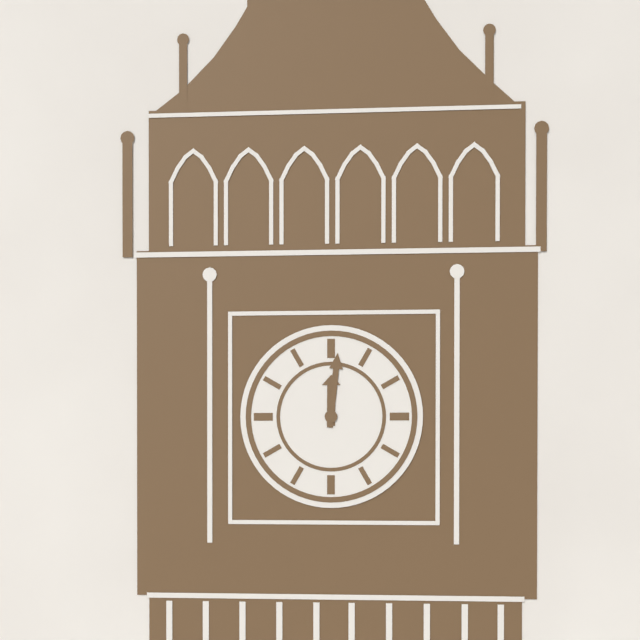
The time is 12:01
